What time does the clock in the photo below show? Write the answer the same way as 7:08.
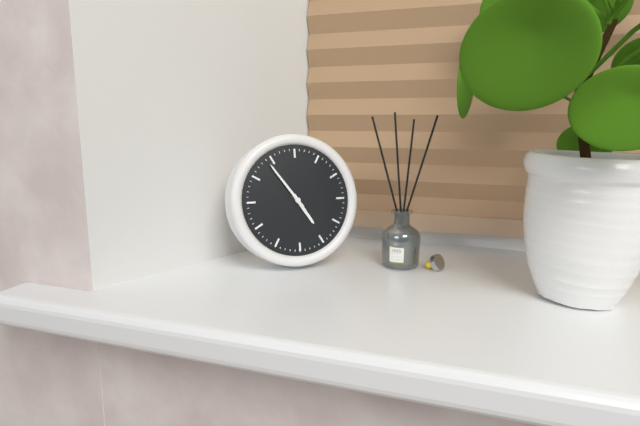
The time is 4:54
